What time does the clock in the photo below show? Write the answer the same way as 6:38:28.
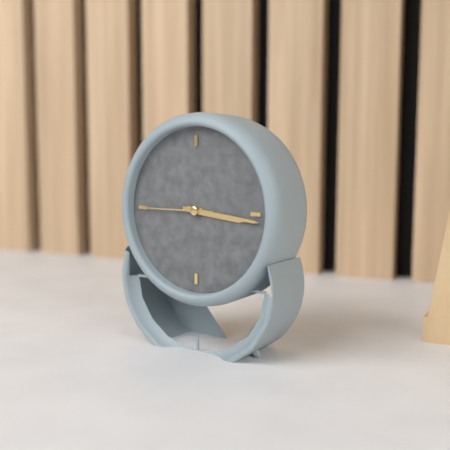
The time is 3:16:45
